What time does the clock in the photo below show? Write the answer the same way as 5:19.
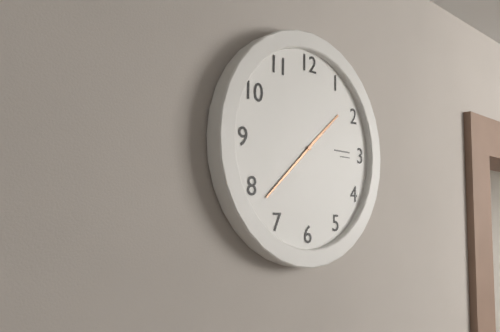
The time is 1:38
